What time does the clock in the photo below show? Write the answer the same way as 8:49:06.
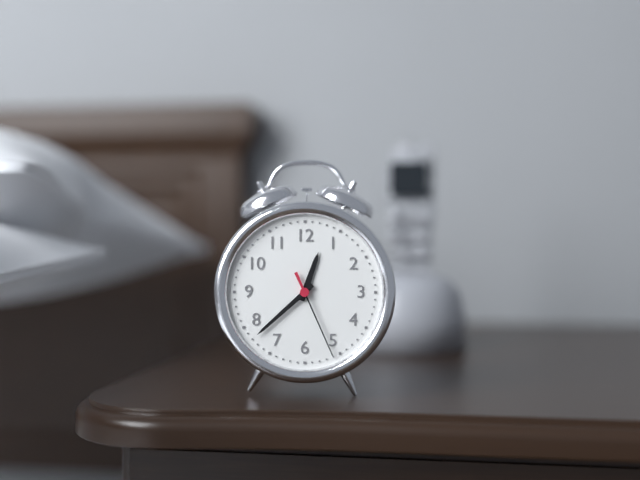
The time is 12:38:26
